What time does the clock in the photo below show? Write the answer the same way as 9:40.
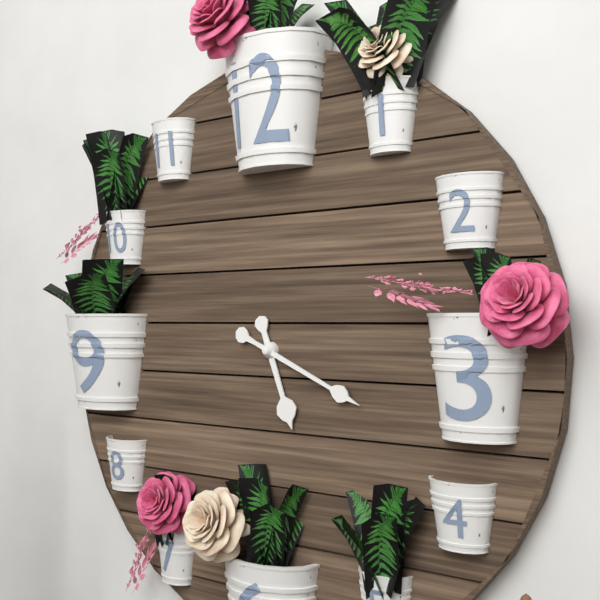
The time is 5:19
